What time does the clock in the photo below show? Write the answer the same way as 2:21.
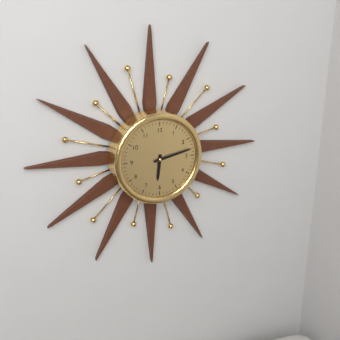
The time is 6:13
